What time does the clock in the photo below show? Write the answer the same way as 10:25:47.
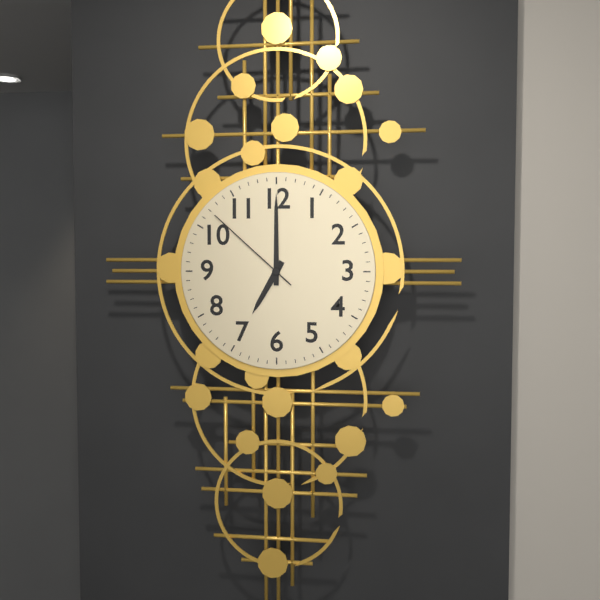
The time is 7:00:52
